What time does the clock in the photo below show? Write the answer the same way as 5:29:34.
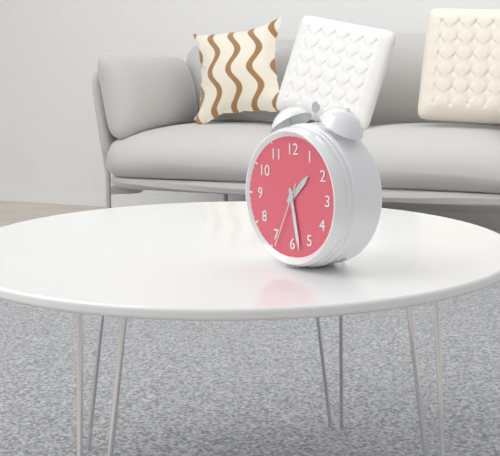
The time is 1:28:34
